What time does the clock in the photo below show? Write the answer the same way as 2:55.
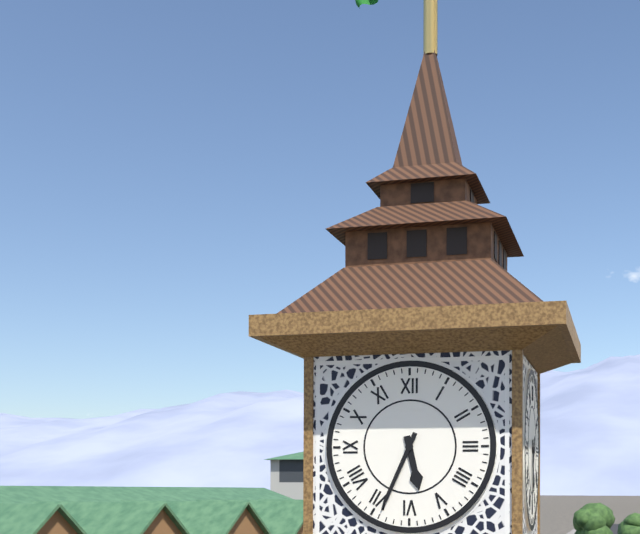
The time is 5:34
